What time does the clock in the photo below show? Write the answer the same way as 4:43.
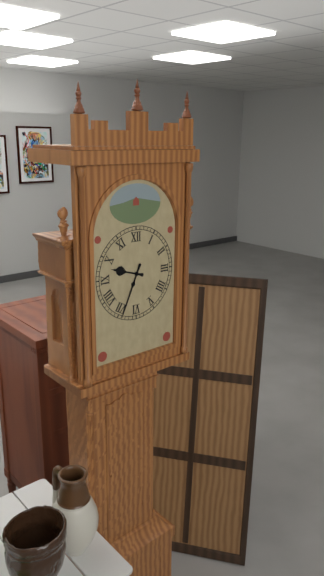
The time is 9:34
